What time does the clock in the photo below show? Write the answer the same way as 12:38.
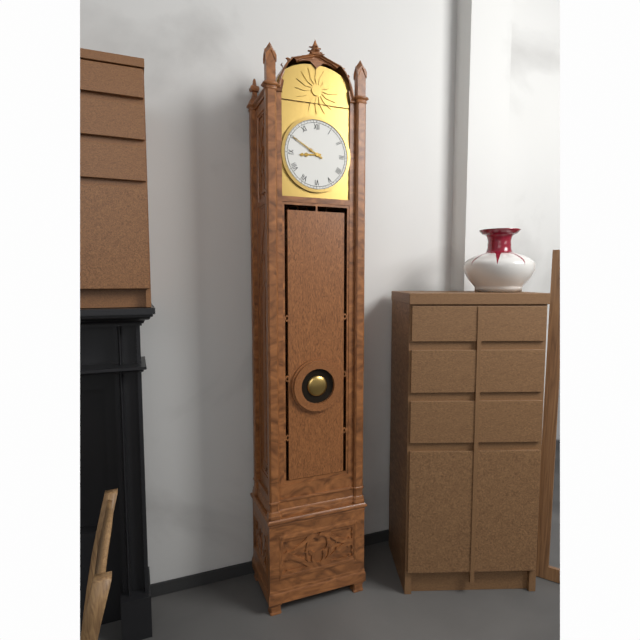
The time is 8:50
